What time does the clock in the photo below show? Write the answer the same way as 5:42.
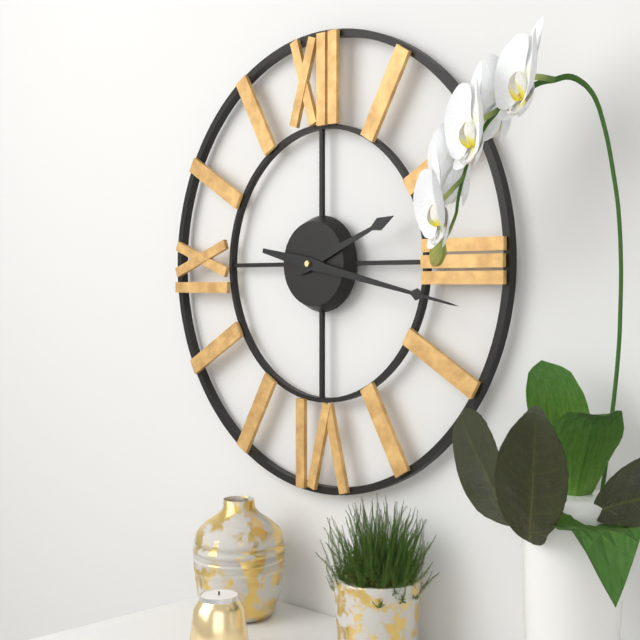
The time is 2:17
